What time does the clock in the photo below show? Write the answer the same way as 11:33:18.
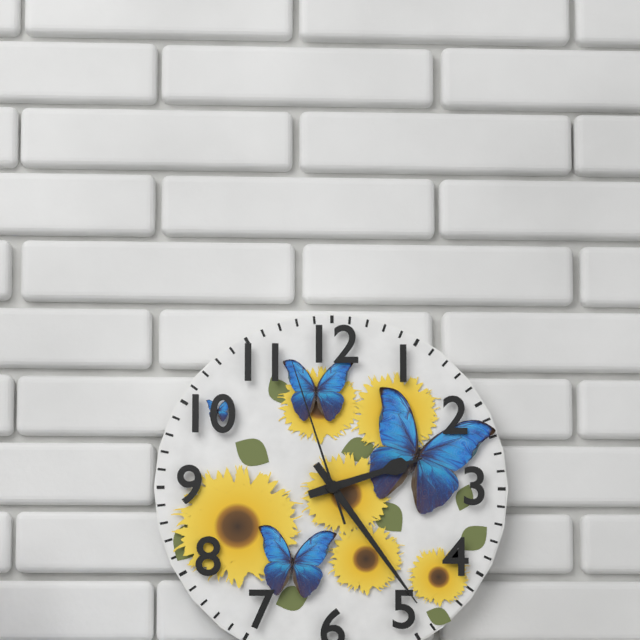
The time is 2:24:57
